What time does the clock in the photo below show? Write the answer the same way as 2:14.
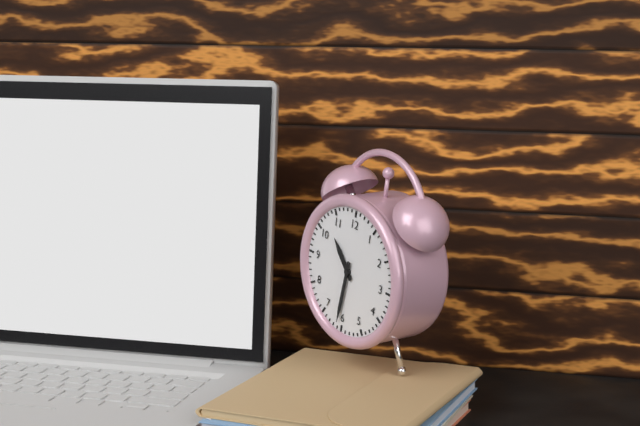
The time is 10:31
